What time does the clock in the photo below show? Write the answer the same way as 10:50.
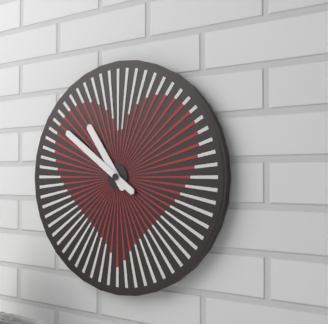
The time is 10:51
